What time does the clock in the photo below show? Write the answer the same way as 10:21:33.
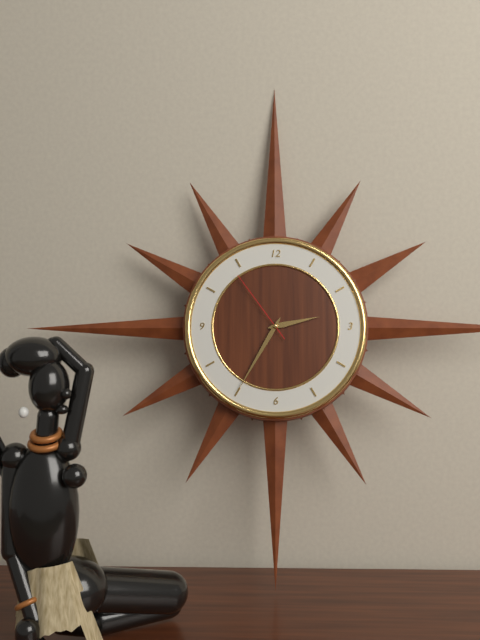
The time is 2:35:54
